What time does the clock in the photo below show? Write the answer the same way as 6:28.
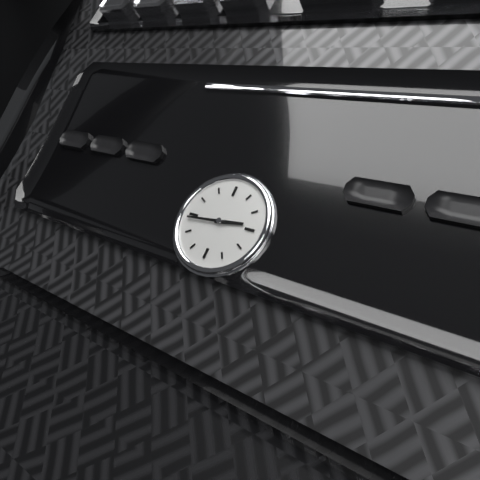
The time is 2:44
